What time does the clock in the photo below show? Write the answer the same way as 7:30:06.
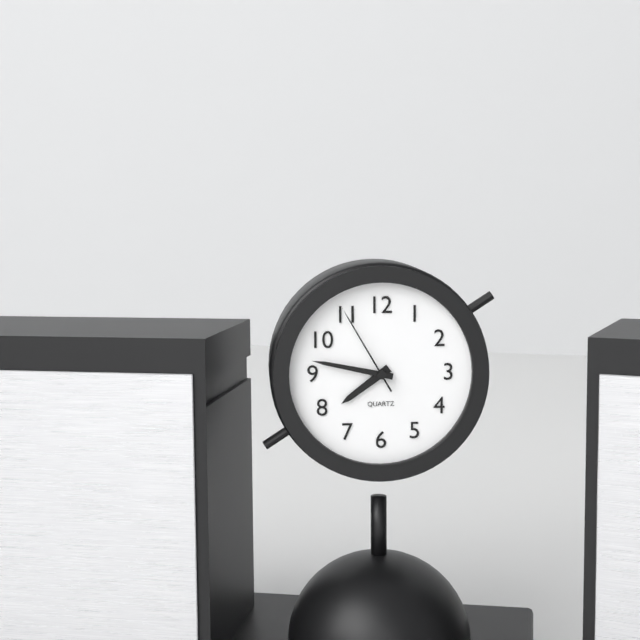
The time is 7:47:55
